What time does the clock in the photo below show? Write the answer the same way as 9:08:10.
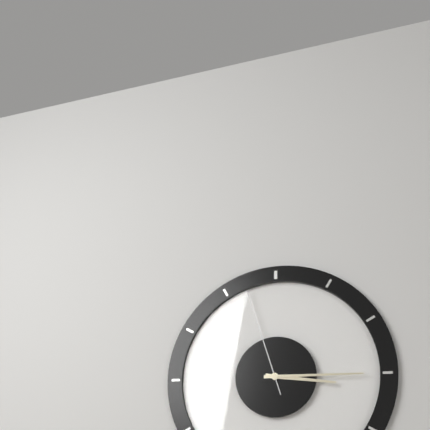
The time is 3:15:57
